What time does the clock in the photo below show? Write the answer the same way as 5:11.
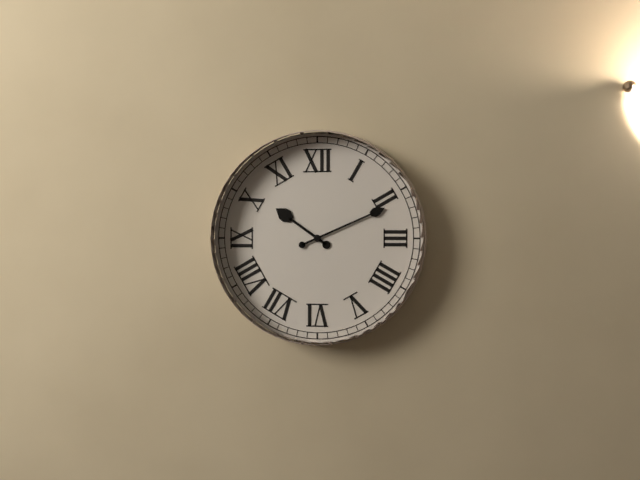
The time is 10:11
